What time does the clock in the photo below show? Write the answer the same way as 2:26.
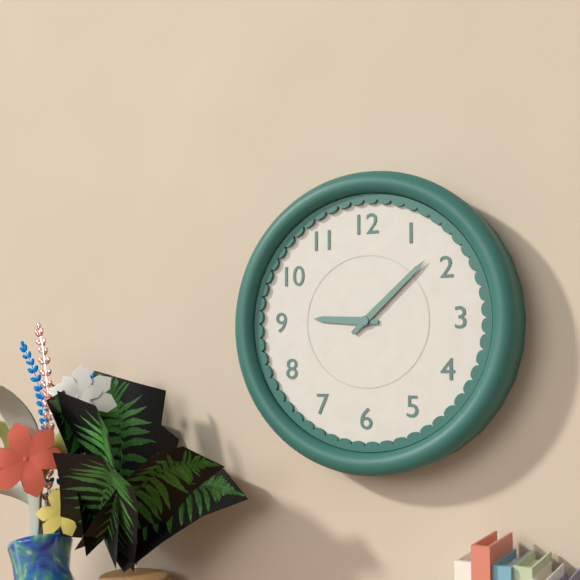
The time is 9:08
